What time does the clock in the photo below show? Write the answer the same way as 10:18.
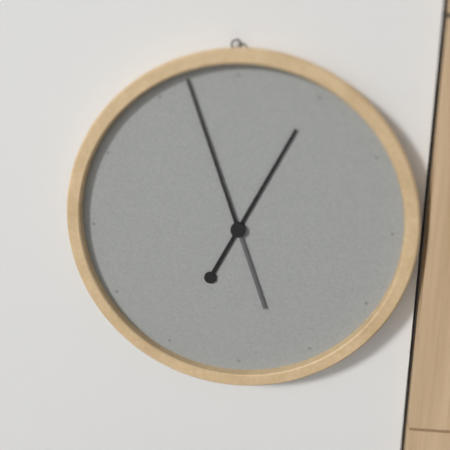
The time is 12:57
